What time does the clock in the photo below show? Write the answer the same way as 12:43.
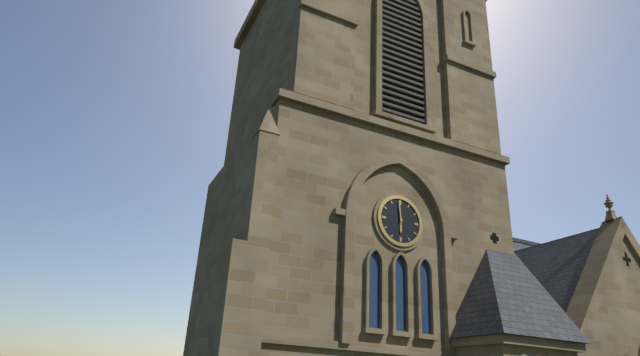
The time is 5:59
